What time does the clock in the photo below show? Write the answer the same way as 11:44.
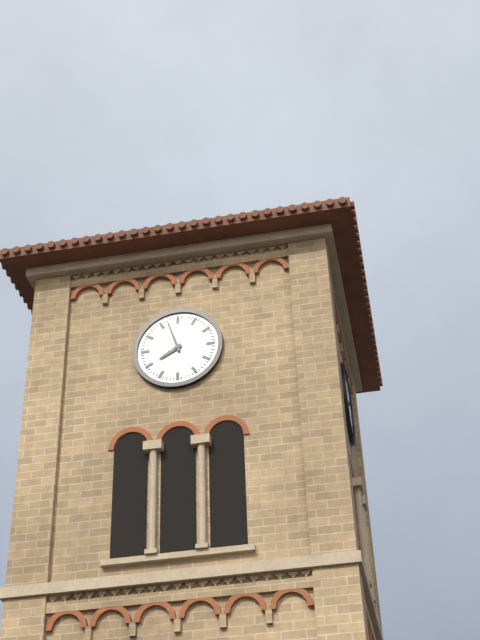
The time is 7:57
